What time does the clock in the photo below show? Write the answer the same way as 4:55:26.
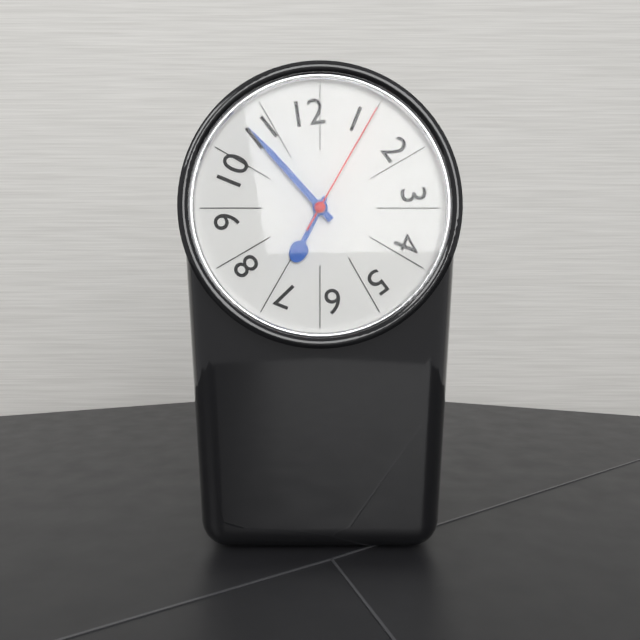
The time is 6:53:05
